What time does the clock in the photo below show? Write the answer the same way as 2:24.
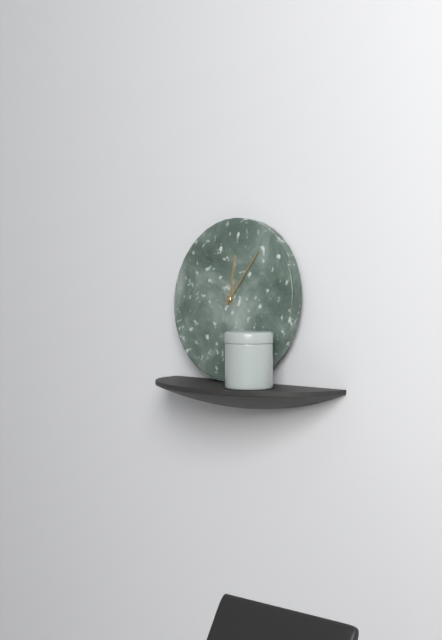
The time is 12:06
